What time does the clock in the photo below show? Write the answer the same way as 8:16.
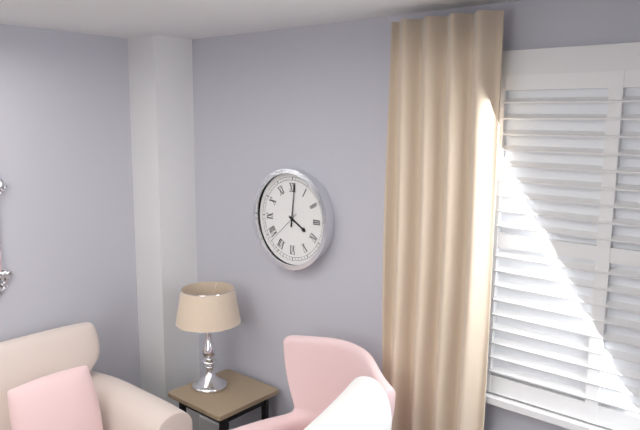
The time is 4:01
